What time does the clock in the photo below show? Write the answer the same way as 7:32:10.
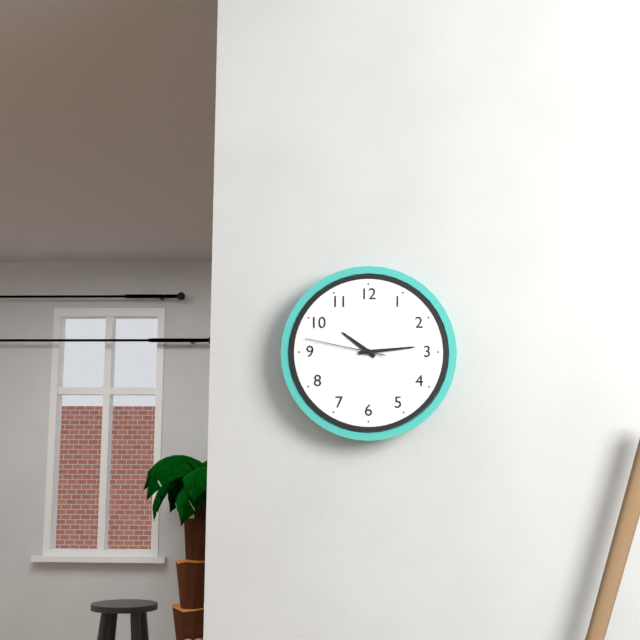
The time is 10:14:47
